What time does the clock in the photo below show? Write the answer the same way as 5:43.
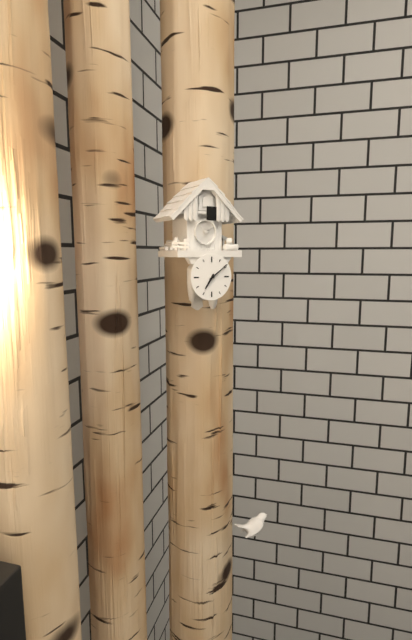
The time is 7:09
